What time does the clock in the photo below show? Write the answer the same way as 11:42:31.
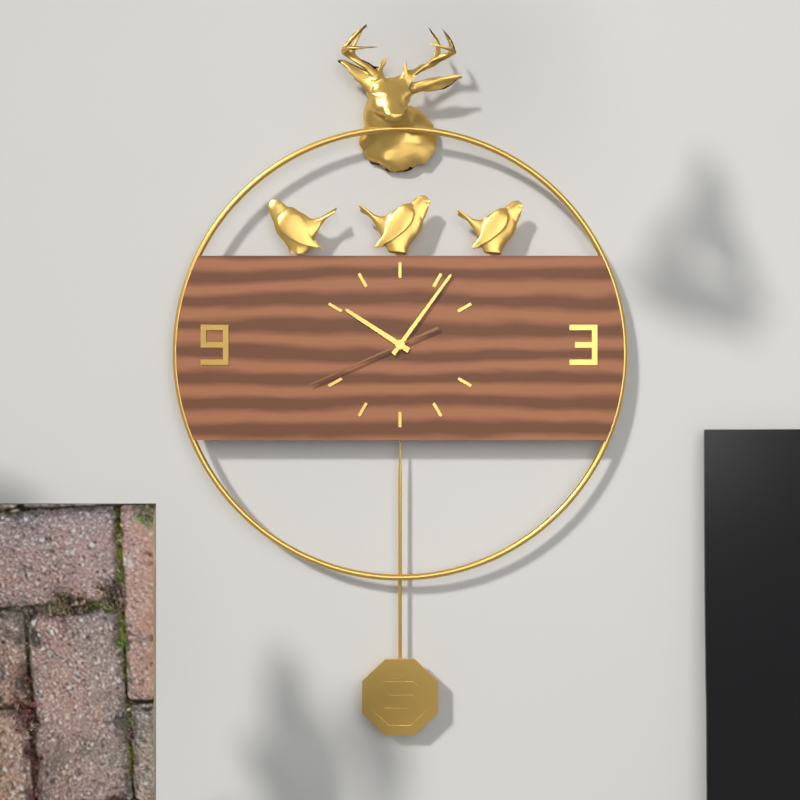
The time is 10:06:41
